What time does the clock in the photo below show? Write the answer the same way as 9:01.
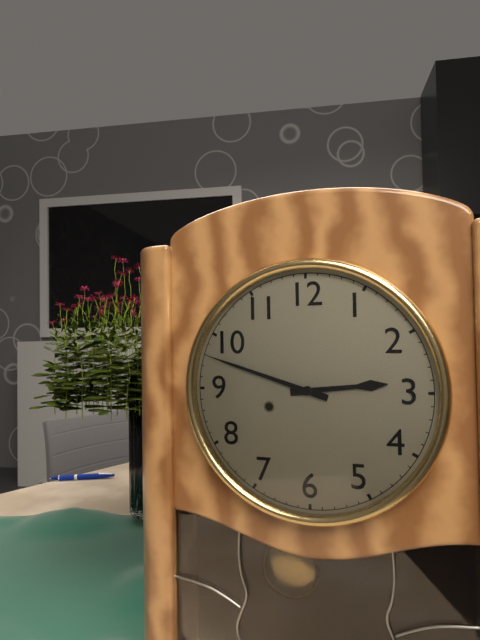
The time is 2:48
